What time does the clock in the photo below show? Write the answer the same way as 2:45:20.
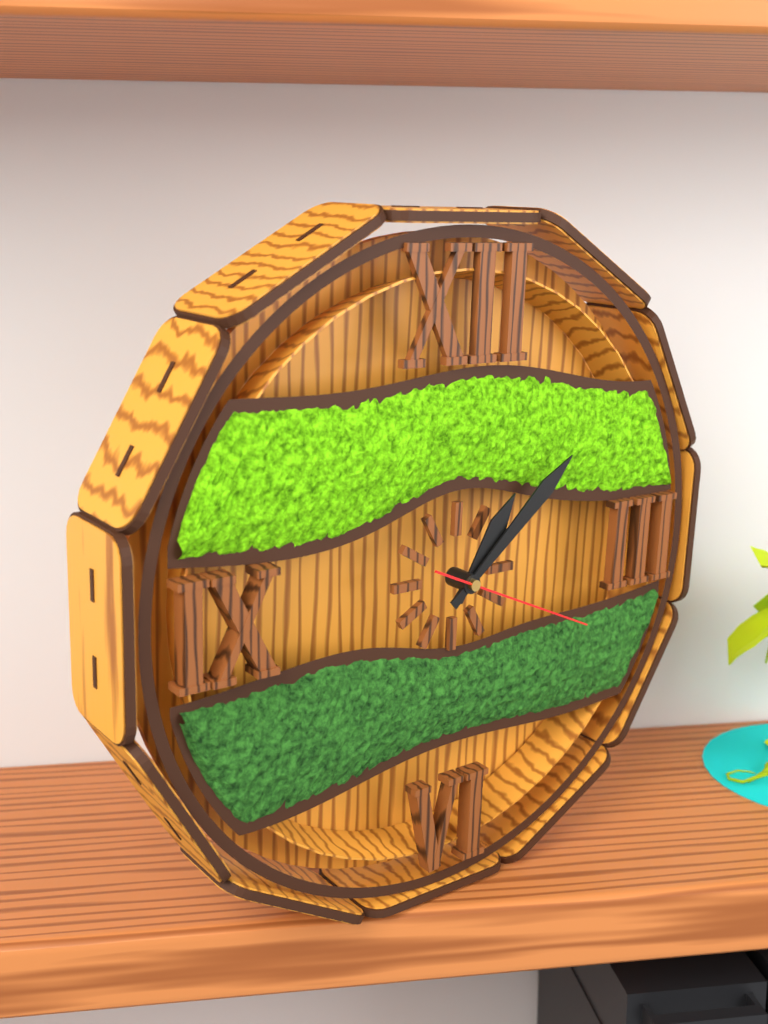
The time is 1:08:19
